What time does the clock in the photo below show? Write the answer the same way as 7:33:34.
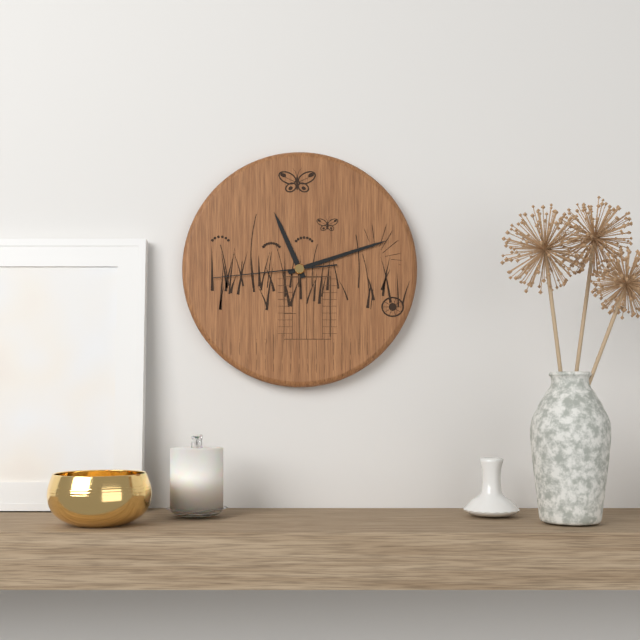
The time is 11:12:44
